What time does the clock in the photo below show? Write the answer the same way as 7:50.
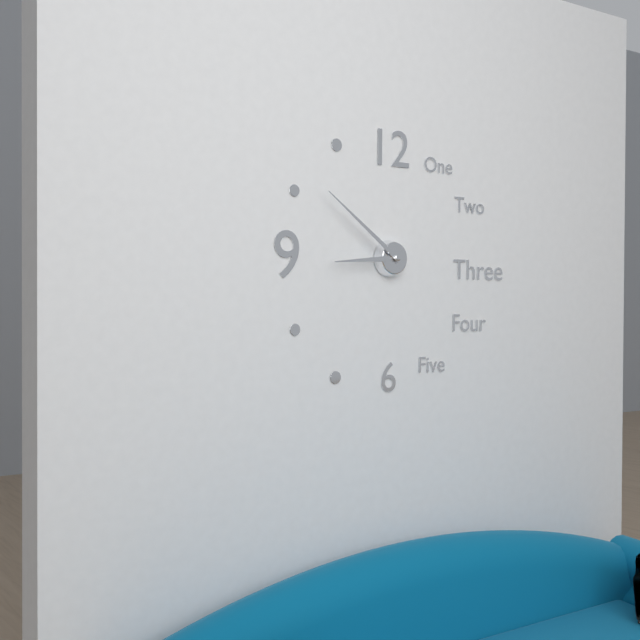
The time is 8:51
